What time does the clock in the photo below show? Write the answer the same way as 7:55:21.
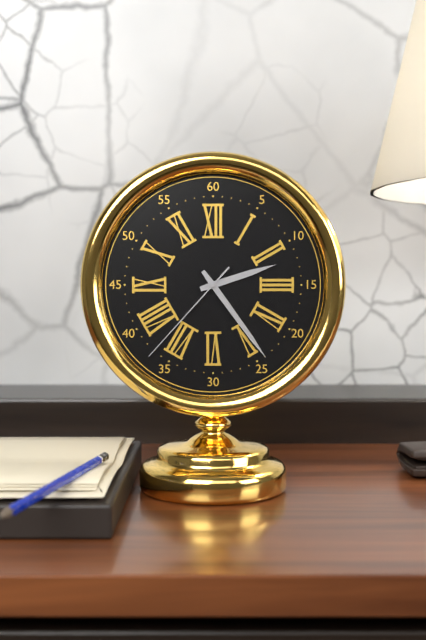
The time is 2:24:37
